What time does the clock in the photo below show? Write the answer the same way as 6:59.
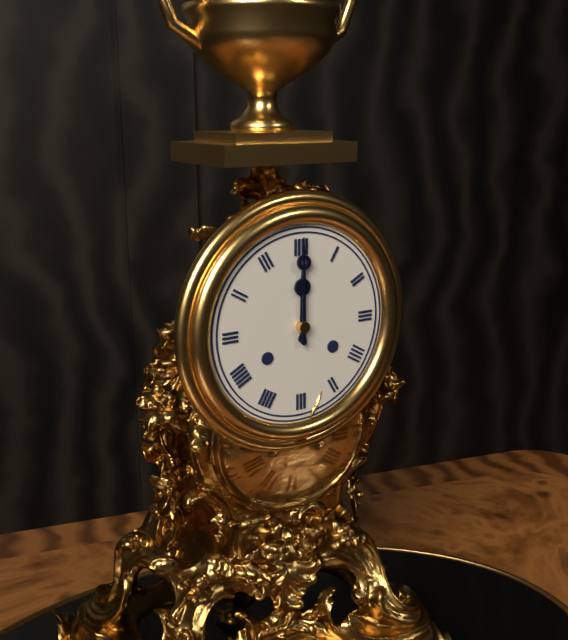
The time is 12:00
